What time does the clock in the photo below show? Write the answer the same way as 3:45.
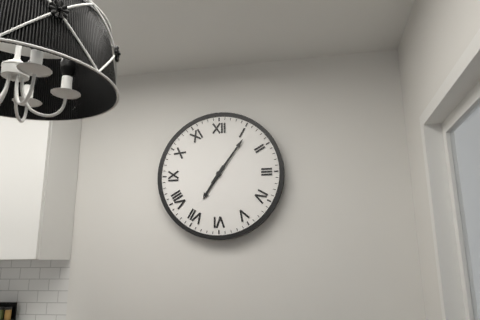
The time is 7:06
